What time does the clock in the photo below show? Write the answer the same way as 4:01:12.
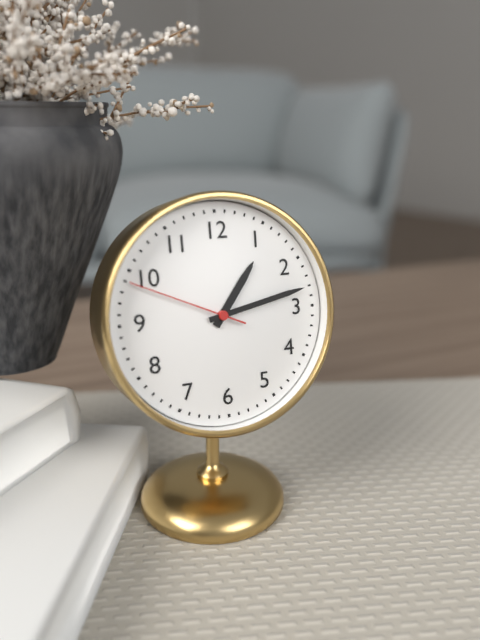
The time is 1:13:49
